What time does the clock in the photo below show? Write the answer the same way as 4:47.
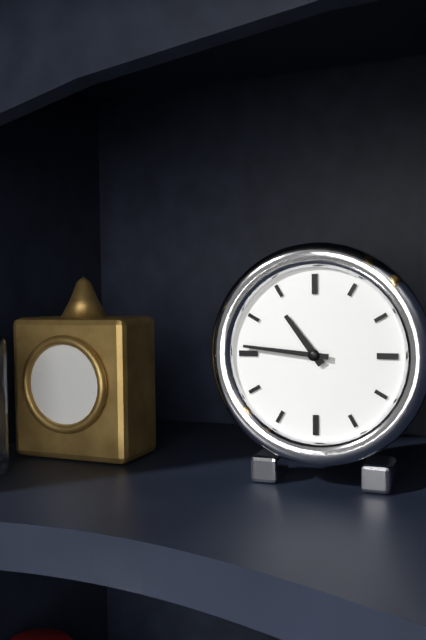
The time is 10:46
